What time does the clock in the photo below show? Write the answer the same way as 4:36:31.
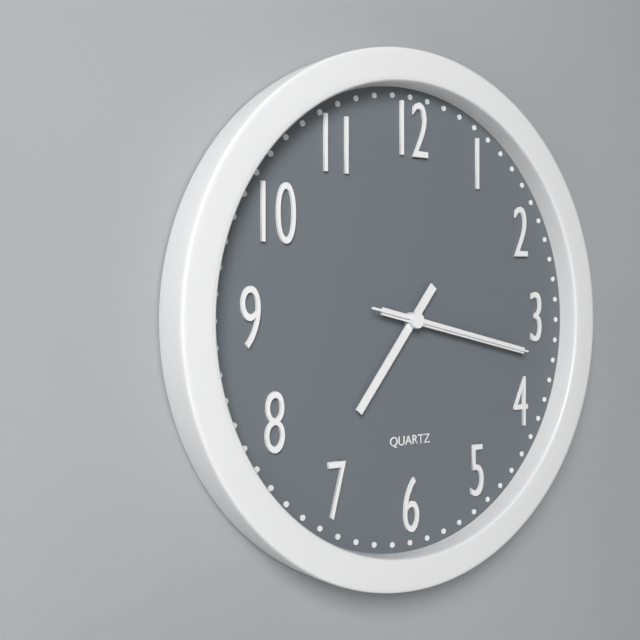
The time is 7:17:17
